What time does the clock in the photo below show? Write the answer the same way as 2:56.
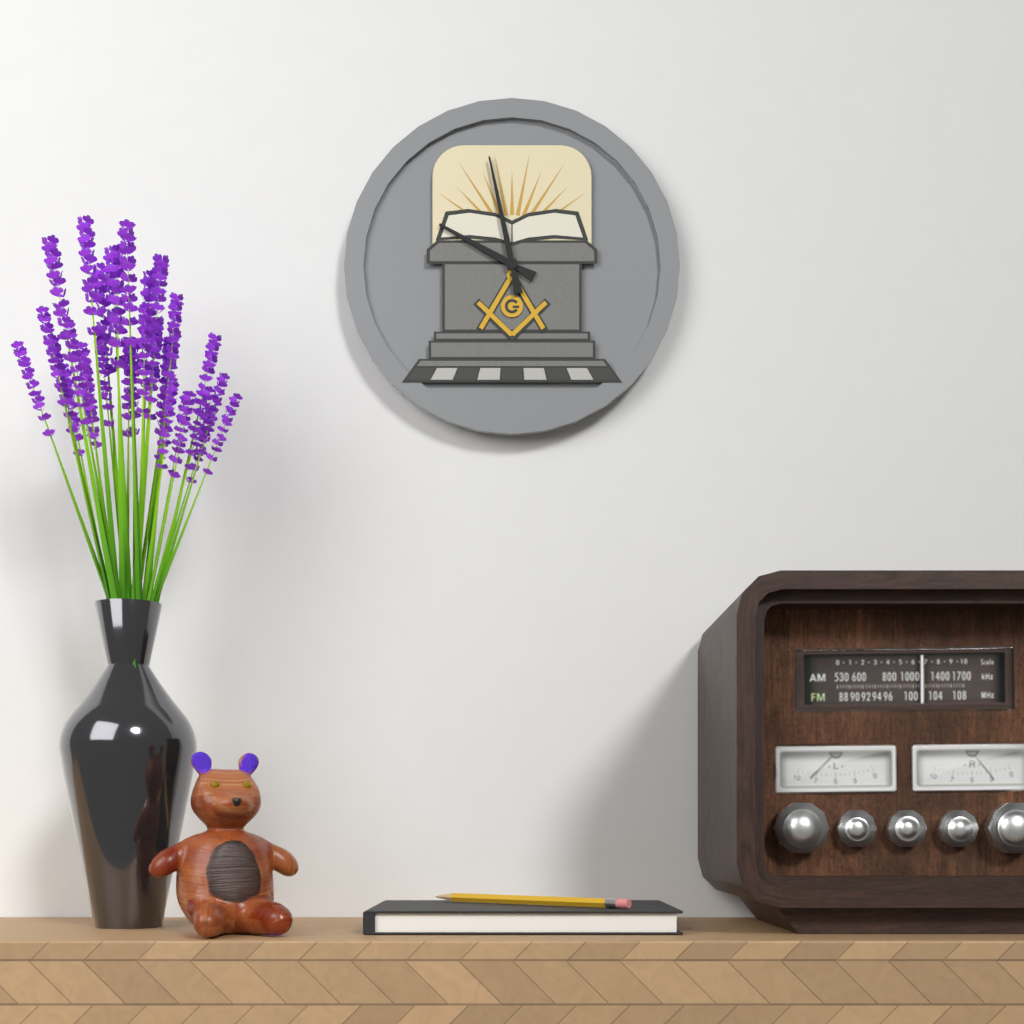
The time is 9:58
